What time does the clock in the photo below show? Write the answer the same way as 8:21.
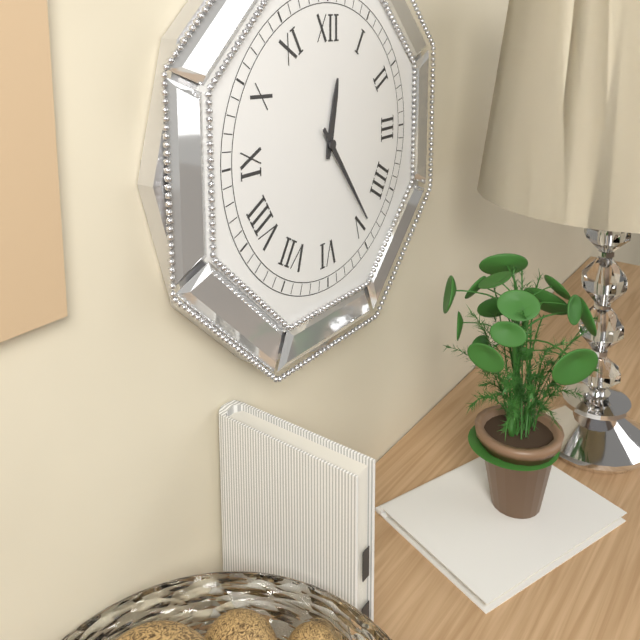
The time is 12:24
